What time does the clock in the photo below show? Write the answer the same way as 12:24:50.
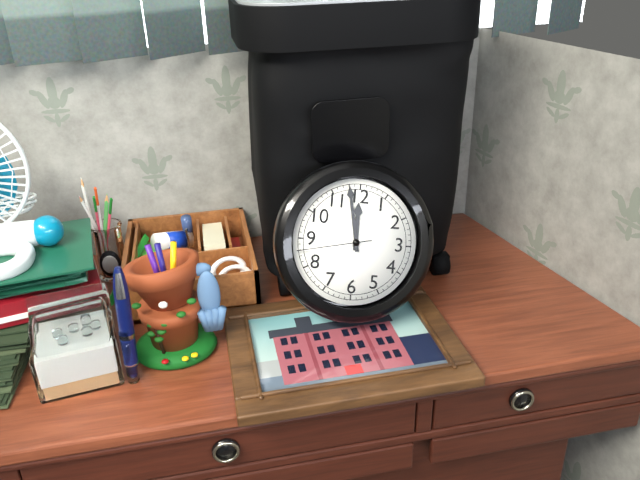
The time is 11:58:43
